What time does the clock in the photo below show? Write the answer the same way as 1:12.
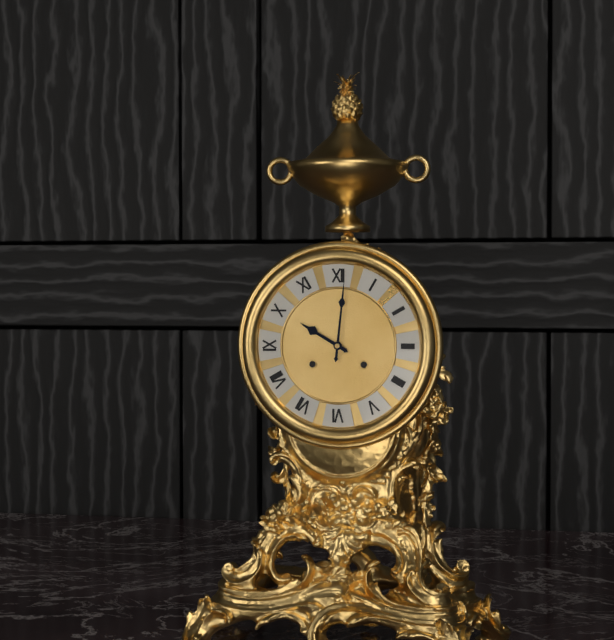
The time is 10:01
